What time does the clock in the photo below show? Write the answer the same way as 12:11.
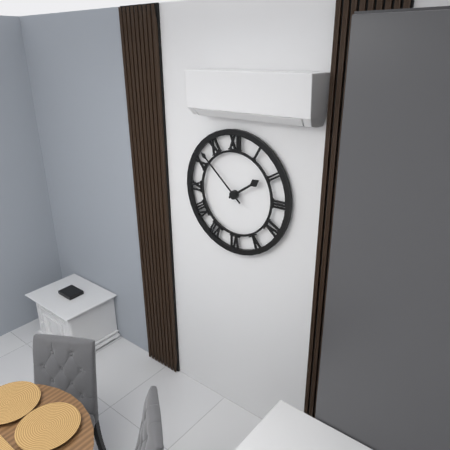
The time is 1:52
